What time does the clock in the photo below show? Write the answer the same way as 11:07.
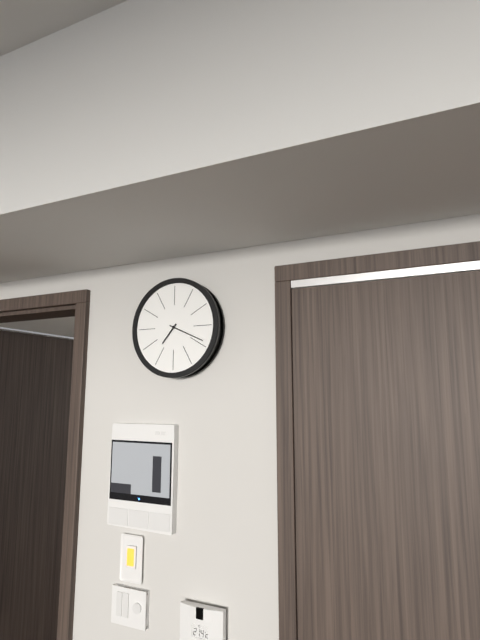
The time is 7:19
